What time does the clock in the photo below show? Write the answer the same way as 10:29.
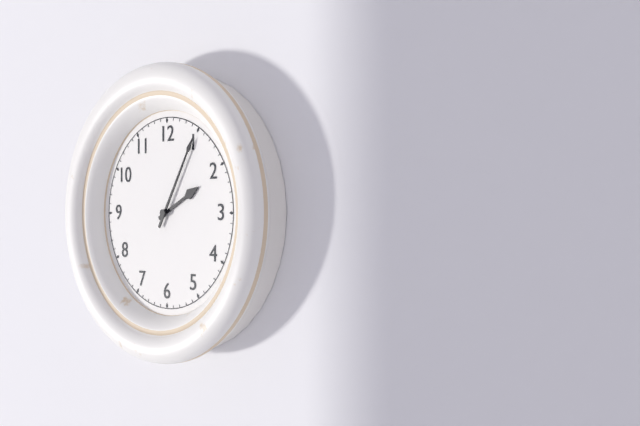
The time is 2:05
